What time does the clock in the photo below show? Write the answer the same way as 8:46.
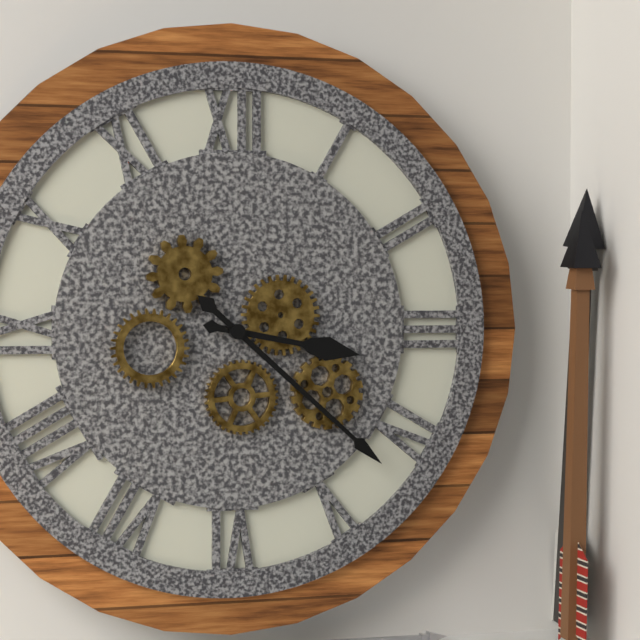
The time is 3:22
